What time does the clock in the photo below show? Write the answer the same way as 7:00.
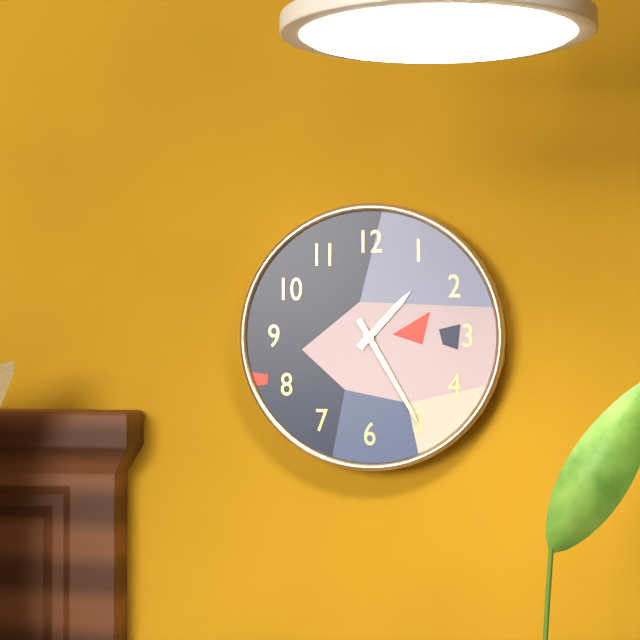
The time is 1:25
